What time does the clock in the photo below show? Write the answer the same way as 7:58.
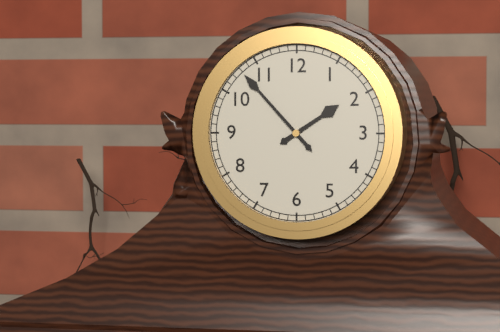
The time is 1:53
